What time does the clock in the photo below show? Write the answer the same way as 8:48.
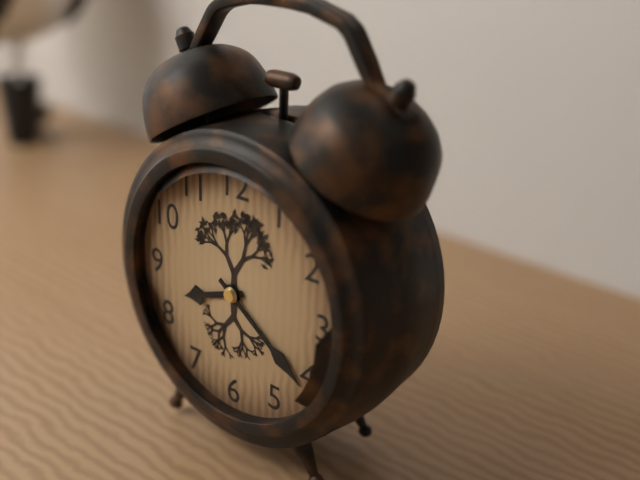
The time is 8:21
